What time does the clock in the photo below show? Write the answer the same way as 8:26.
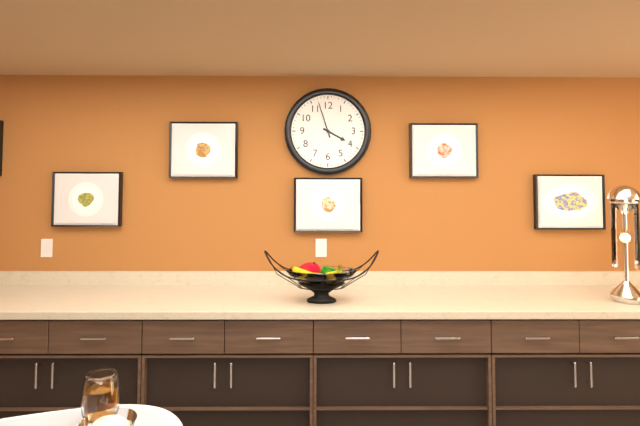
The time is 3:57
